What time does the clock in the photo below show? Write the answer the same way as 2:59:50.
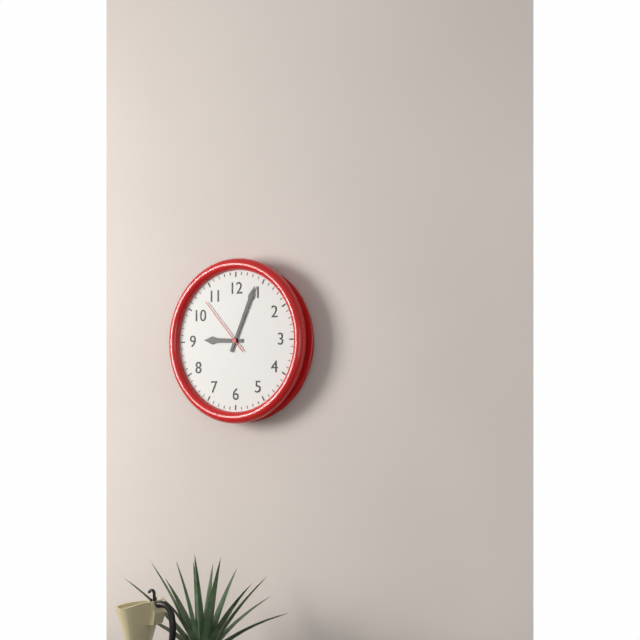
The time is 9:04:53
